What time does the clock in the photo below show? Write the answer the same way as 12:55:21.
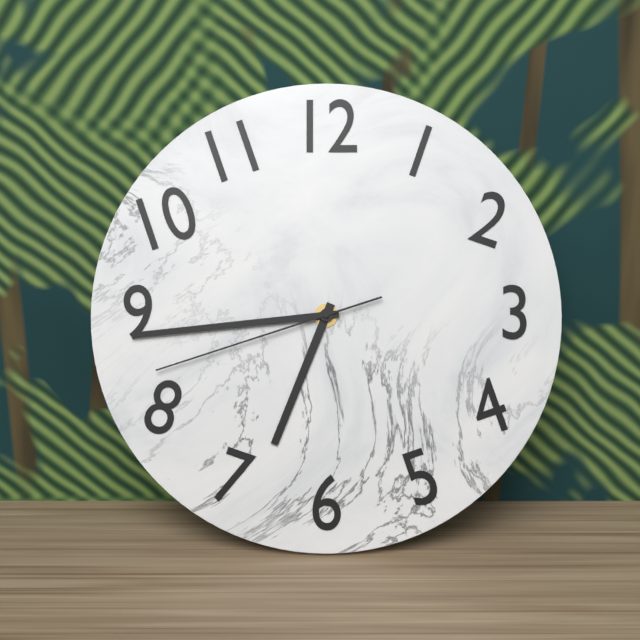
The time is 6:44:42
